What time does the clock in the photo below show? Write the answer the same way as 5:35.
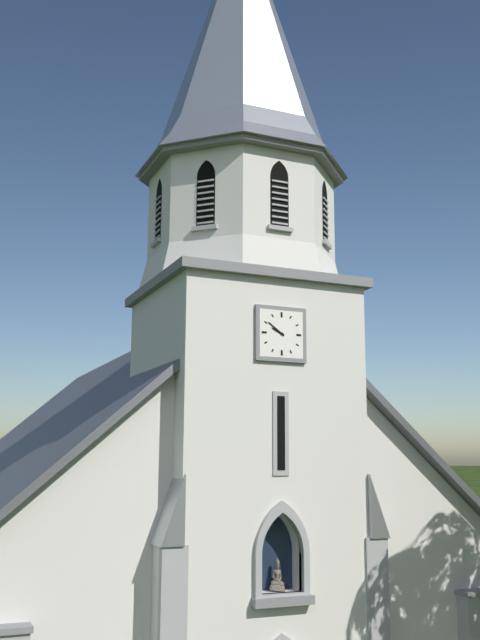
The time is 9:51
